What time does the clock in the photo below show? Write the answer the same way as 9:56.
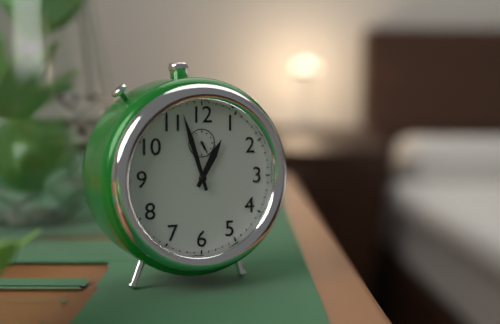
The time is 12:57
